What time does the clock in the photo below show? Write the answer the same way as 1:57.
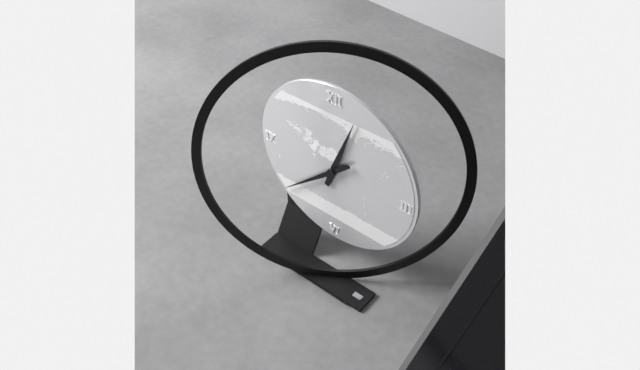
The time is 12:38
